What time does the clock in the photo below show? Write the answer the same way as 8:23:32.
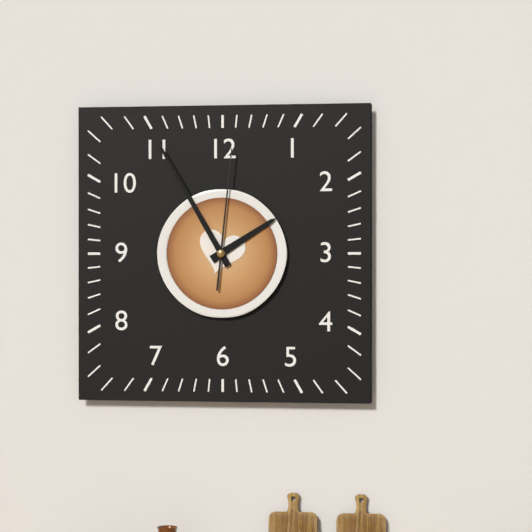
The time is 1:55:01
